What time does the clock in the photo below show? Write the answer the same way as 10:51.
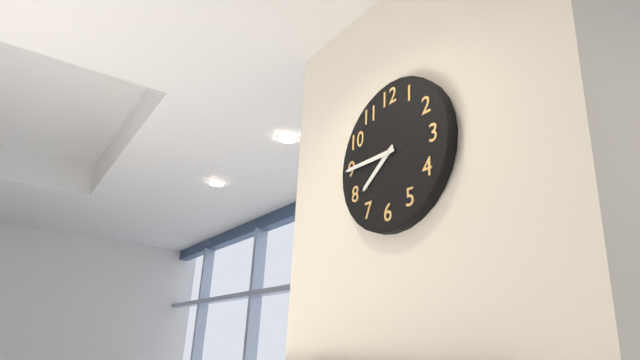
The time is 7:45
